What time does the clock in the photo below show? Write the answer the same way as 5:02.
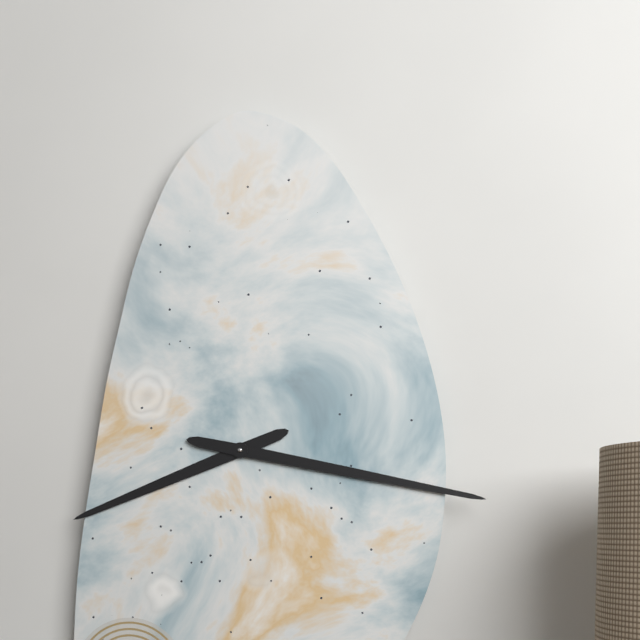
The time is 8:17
